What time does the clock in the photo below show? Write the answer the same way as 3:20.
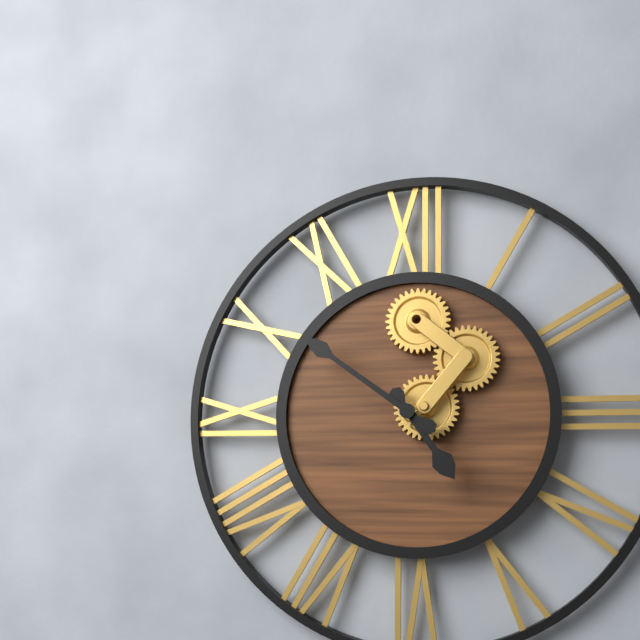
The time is 4:51
